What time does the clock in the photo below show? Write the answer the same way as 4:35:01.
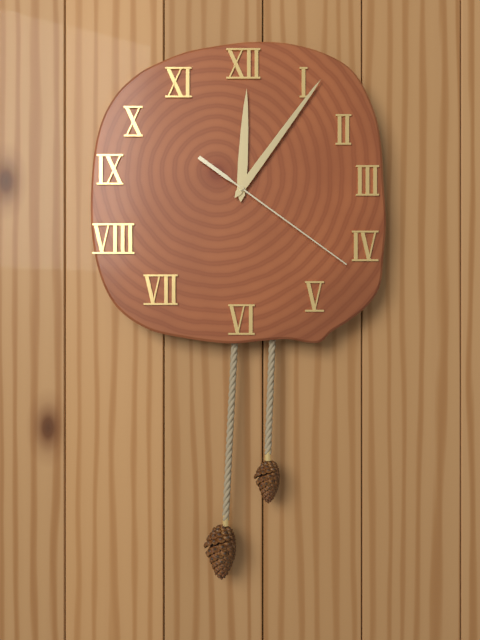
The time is 12:06:21
